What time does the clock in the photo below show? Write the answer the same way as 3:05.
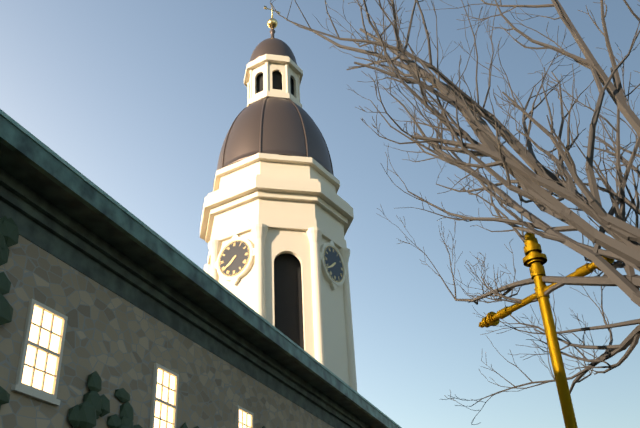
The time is 7:39
